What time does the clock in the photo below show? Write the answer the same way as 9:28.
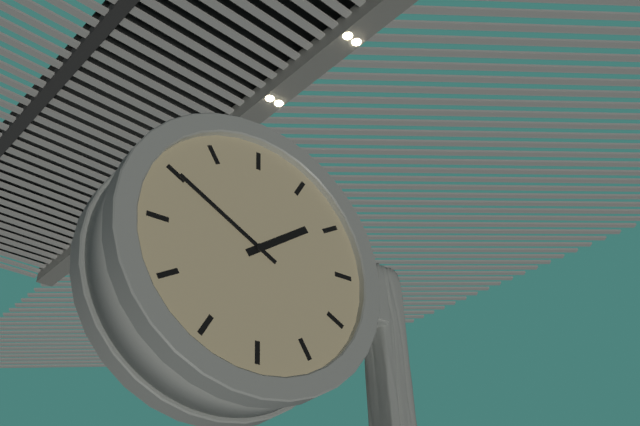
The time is 1:50
